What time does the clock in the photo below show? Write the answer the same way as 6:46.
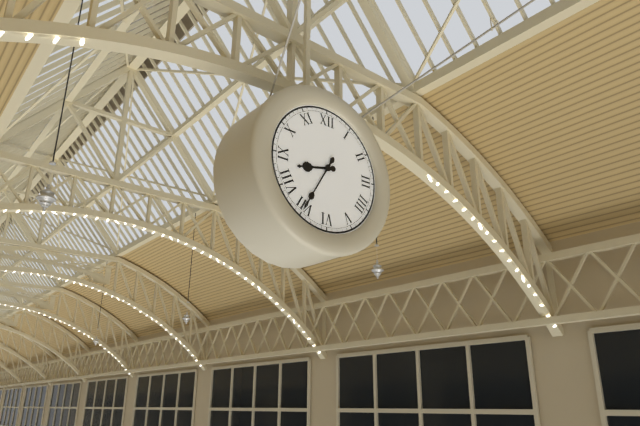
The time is 8:35
